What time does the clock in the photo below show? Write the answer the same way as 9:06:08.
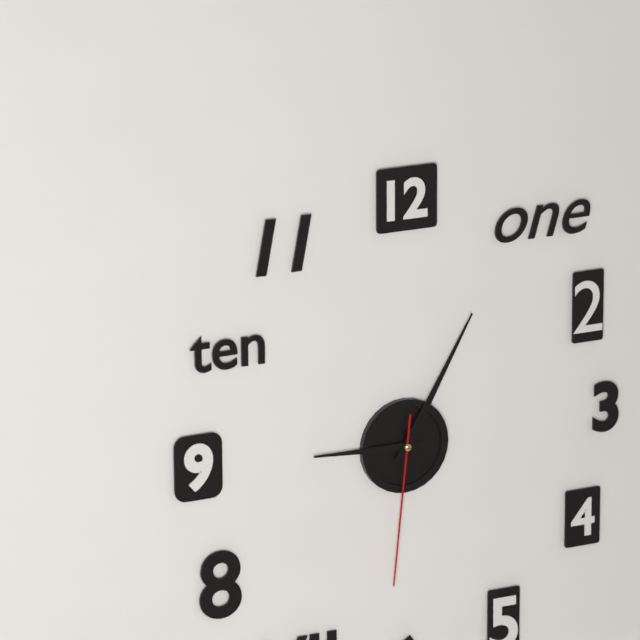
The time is 9:05:31
